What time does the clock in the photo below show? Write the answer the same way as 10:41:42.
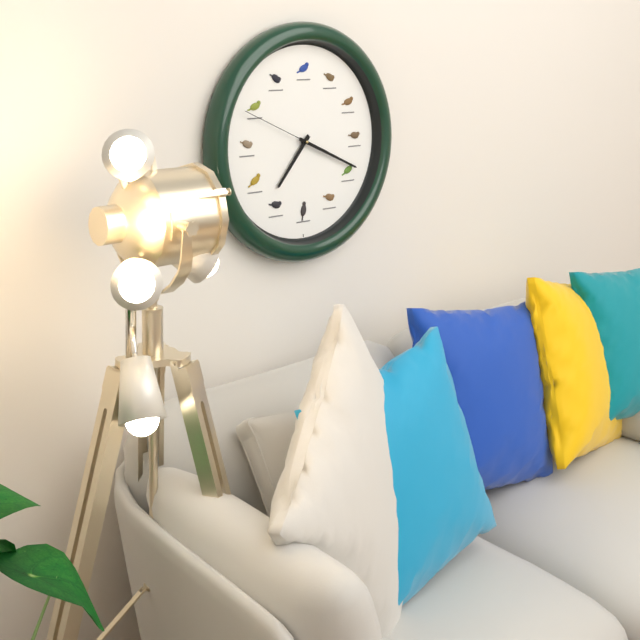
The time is 7:19:49
